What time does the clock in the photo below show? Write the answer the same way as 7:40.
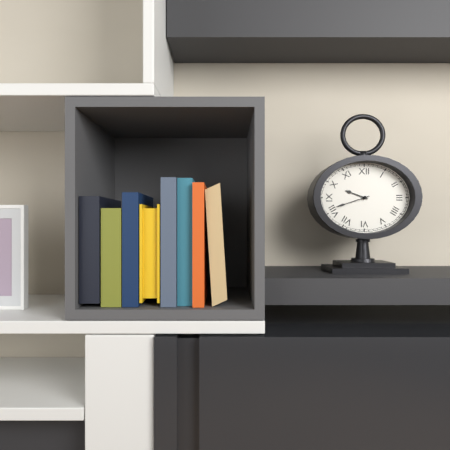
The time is 9:42
